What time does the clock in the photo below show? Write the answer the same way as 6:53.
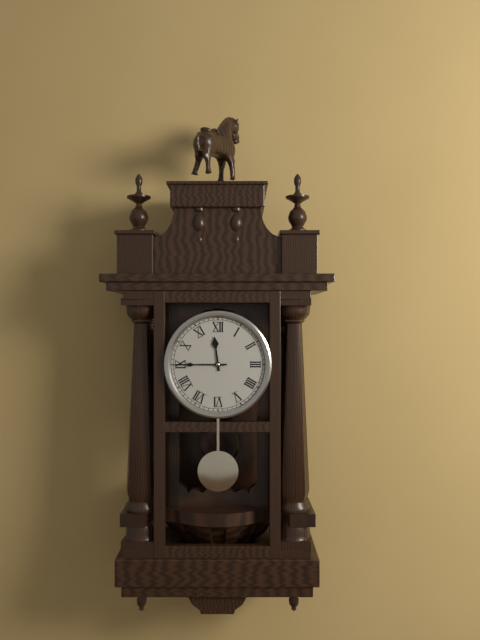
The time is 11:45
